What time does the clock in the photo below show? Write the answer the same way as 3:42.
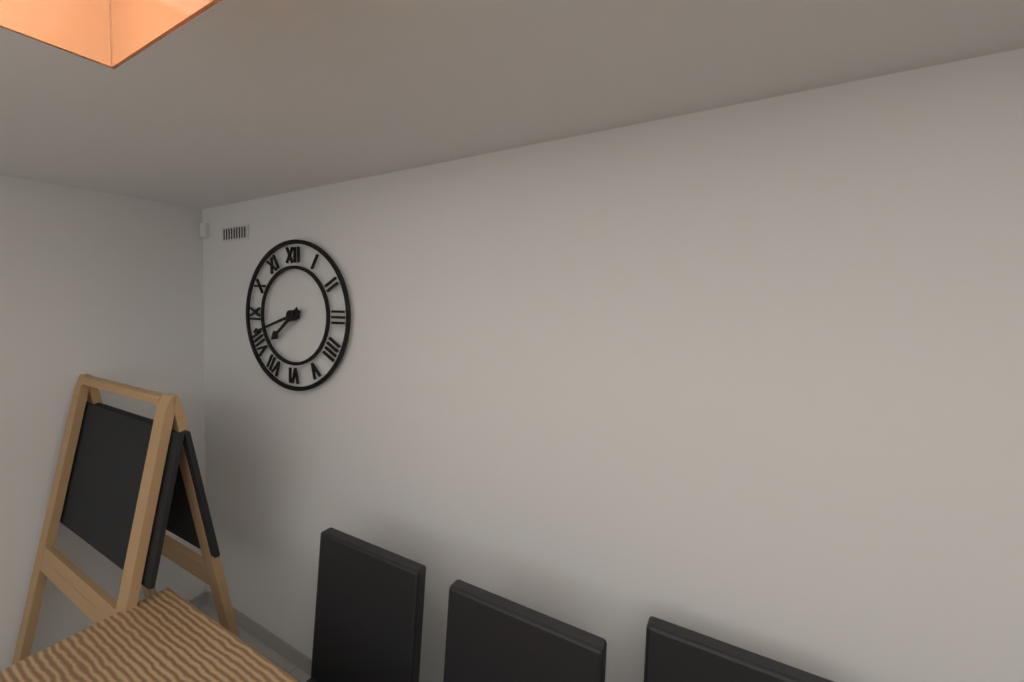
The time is 7:42
